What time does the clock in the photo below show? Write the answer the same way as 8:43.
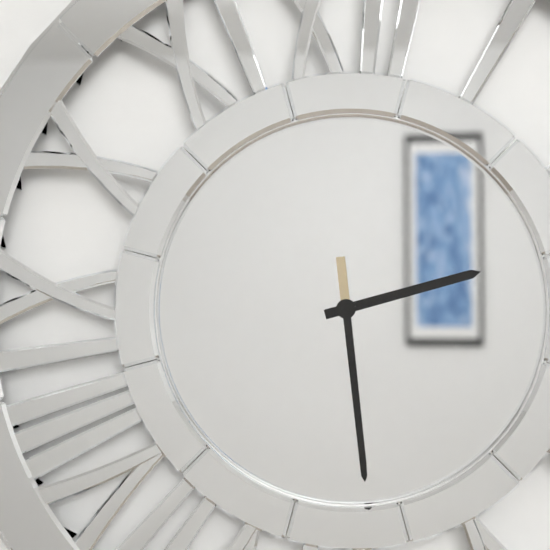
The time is 2:29
